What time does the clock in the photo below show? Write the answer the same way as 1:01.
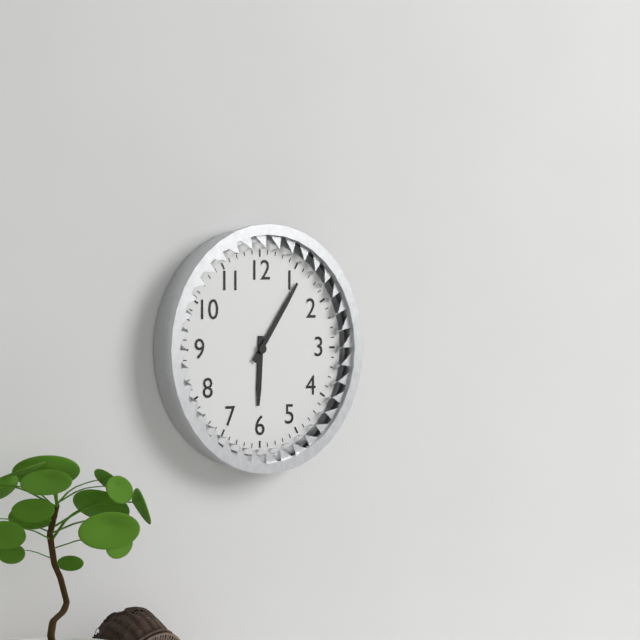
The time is 6:06
